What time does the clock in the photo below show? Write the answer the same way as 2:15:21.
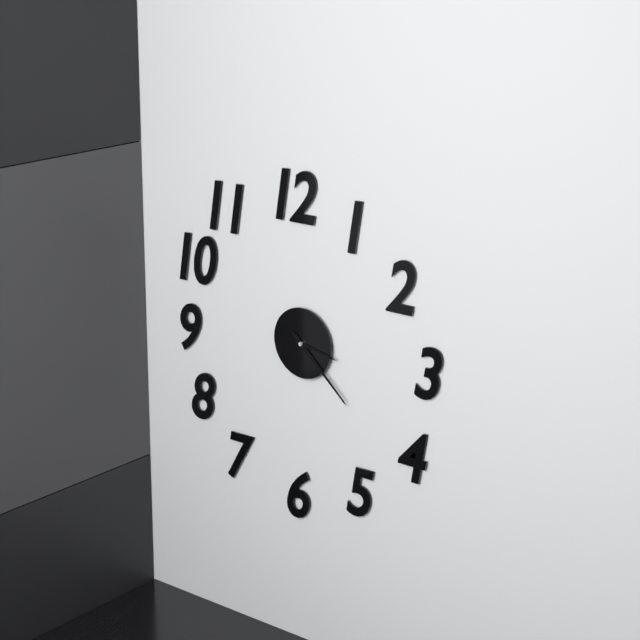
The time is 3:22:22
